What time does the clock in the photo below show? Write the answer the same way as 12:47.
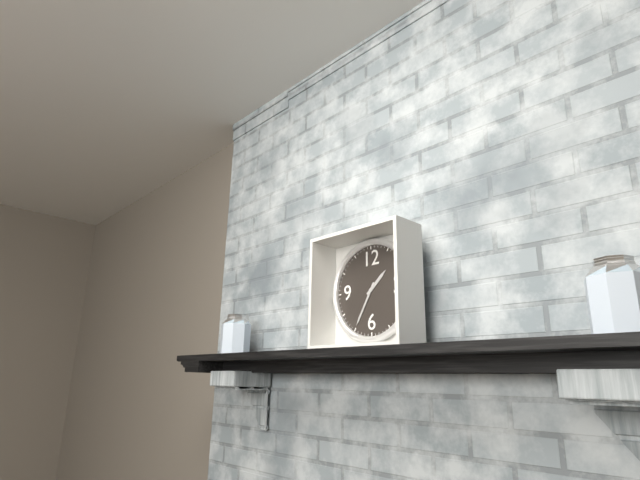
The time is 1:35
